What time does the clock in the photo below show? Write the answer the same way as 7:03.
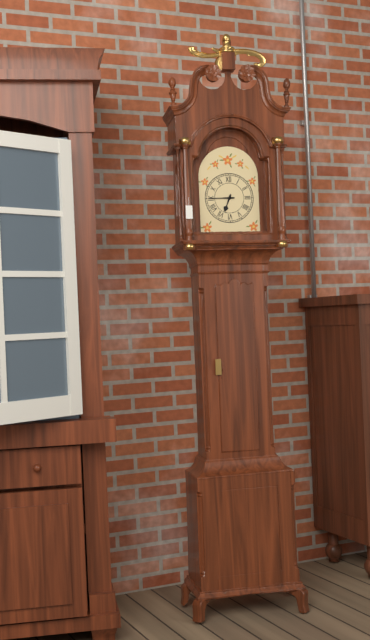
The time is 6:45
